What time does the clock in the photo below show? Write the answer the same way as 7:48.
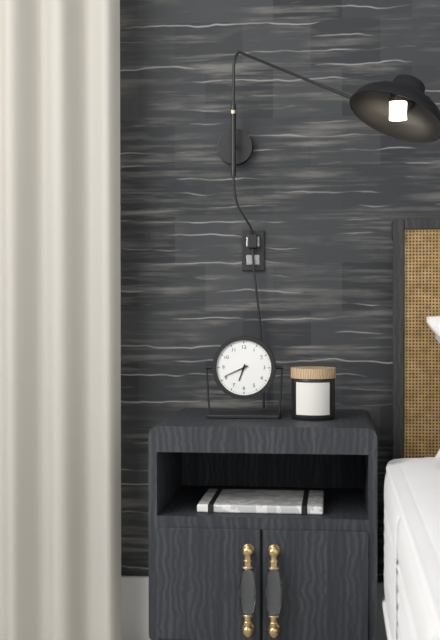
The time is 6:41
